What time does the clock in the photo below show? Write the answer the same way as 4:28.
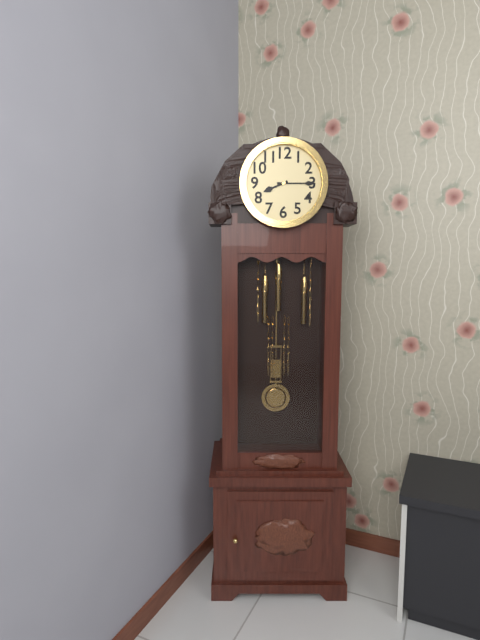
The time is 8:15
